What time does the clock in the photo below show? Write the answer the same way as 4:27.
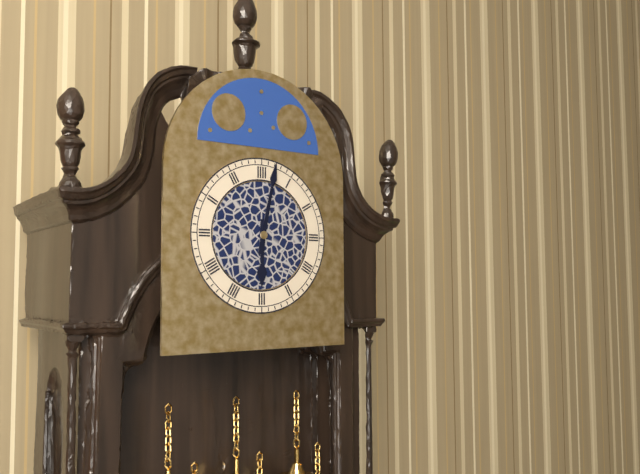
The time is 6:02
